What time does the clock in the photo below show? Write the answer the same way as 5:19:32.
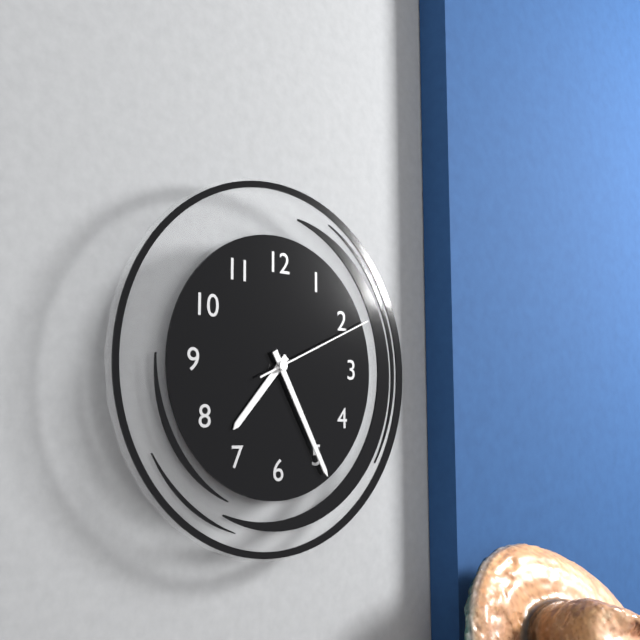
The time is 7:25:11
